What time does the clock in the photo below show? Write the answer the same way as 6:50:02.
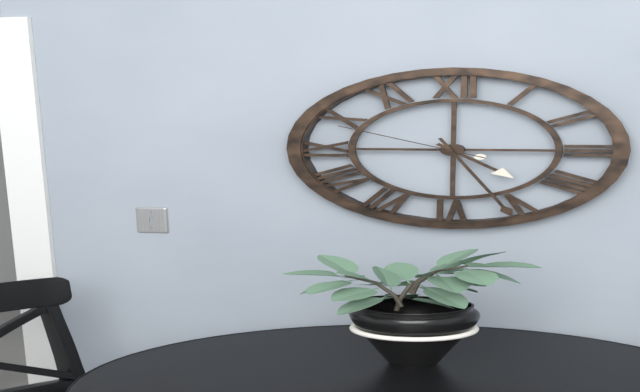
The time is 4:26:49
